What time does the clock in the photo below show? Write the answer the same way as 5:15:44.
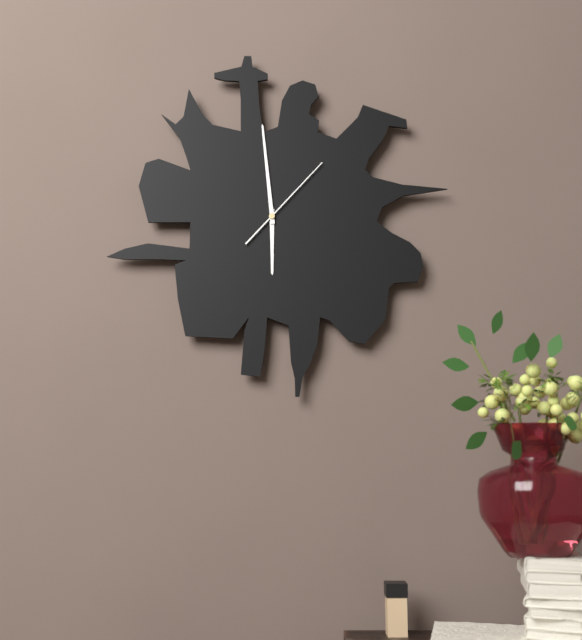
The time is 5:59:07
